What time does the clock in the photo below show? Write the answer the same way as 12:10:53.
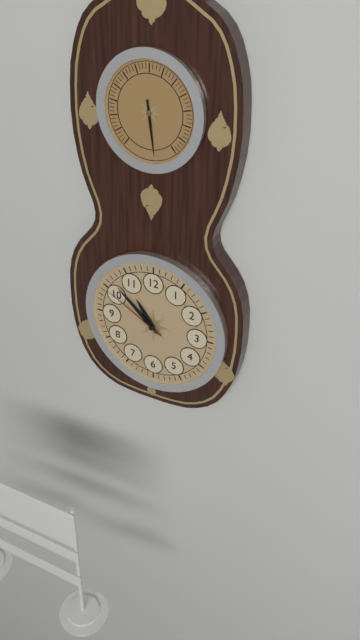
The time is 10:52:50
